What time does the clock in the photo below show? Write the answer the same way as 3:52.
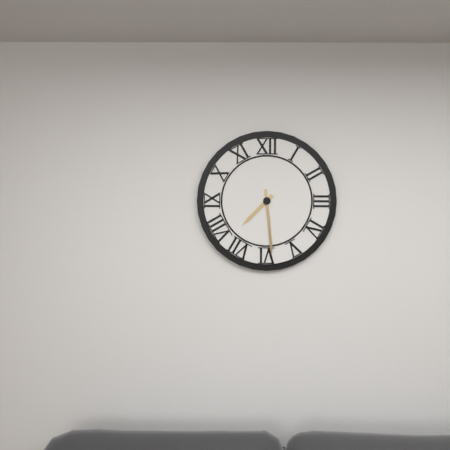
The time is 7:29
